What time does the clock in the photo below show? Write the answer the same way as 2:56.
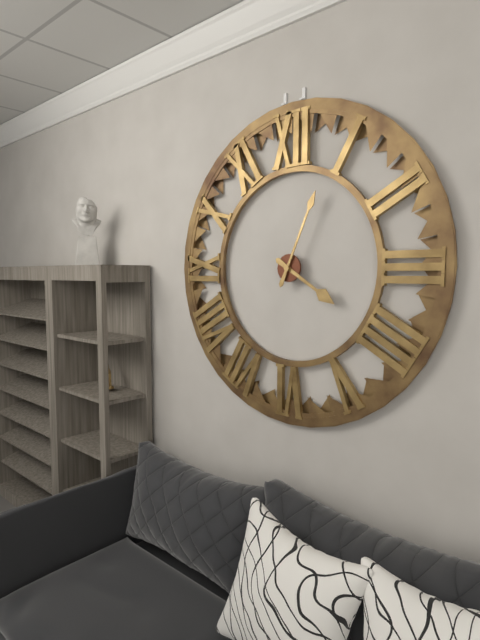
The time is 4:04
